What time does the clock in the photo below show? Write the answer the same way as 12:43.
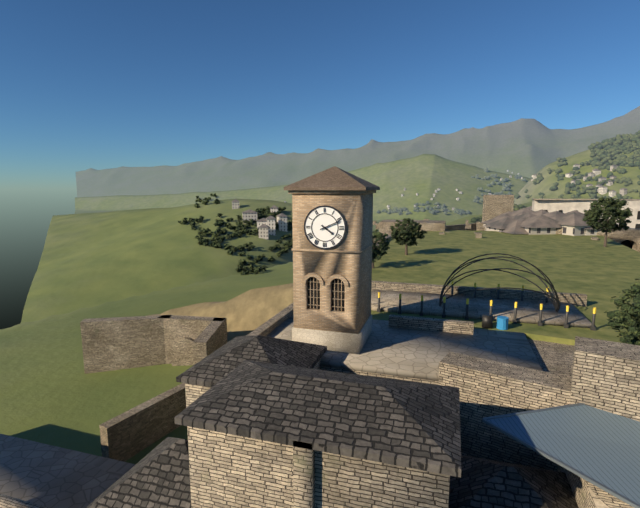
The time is 4:11
